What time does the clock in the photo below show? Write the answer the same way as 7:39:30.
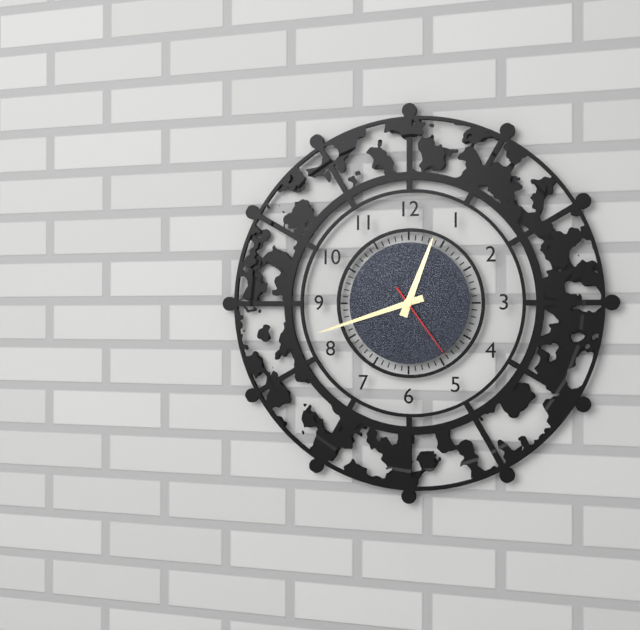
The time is 12:42:24
